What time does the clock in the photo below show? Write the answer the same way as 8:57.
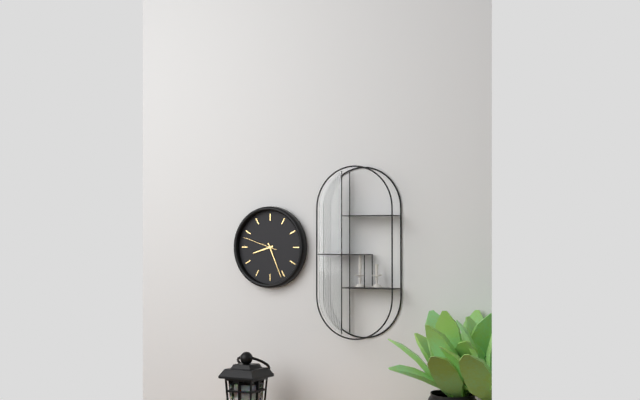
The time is 8:26
